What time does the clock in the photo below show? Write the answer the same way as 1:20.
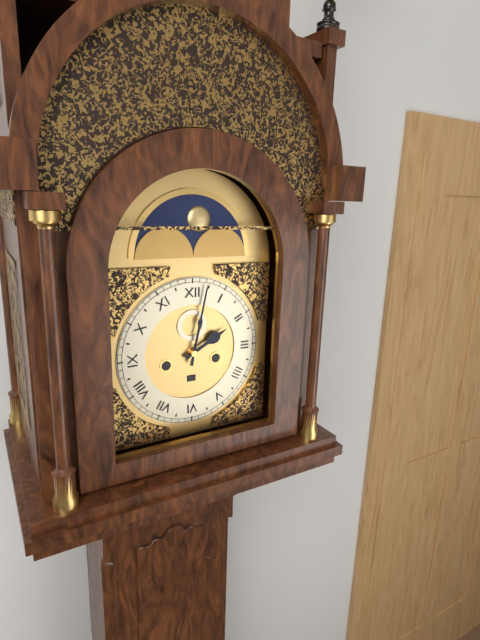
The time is 2:02
